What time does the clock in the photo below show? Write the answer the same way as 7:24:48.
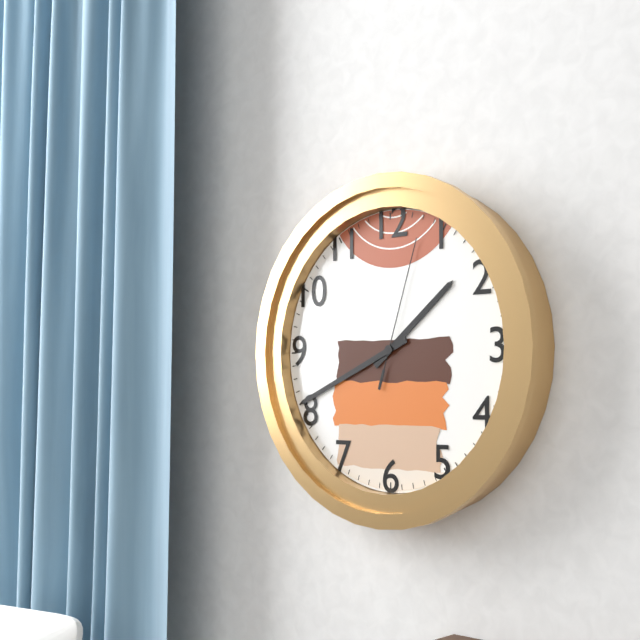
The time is 1:41:03
